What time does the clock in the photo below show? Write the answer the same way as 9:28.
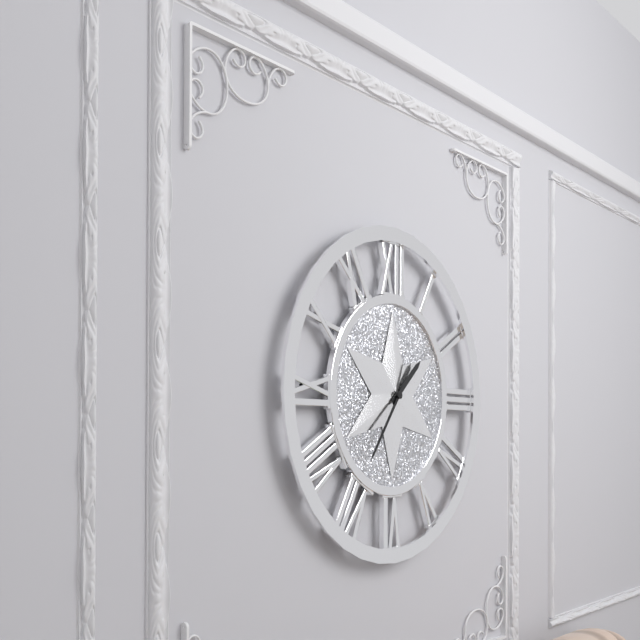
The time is 1:36
